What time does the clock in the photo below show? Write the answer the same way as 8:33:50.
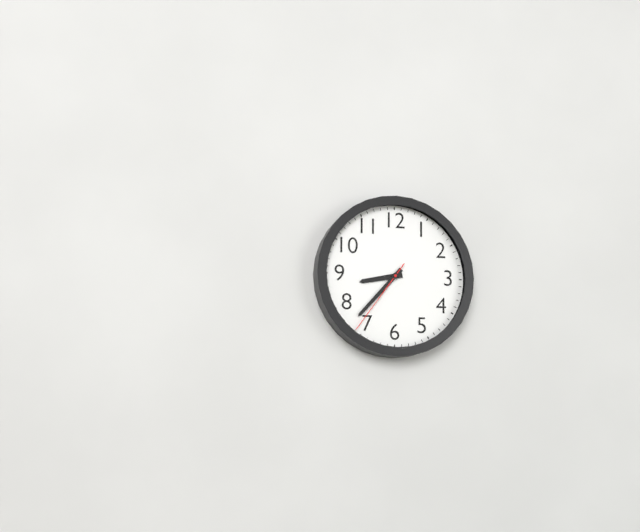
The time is 8:37:36
